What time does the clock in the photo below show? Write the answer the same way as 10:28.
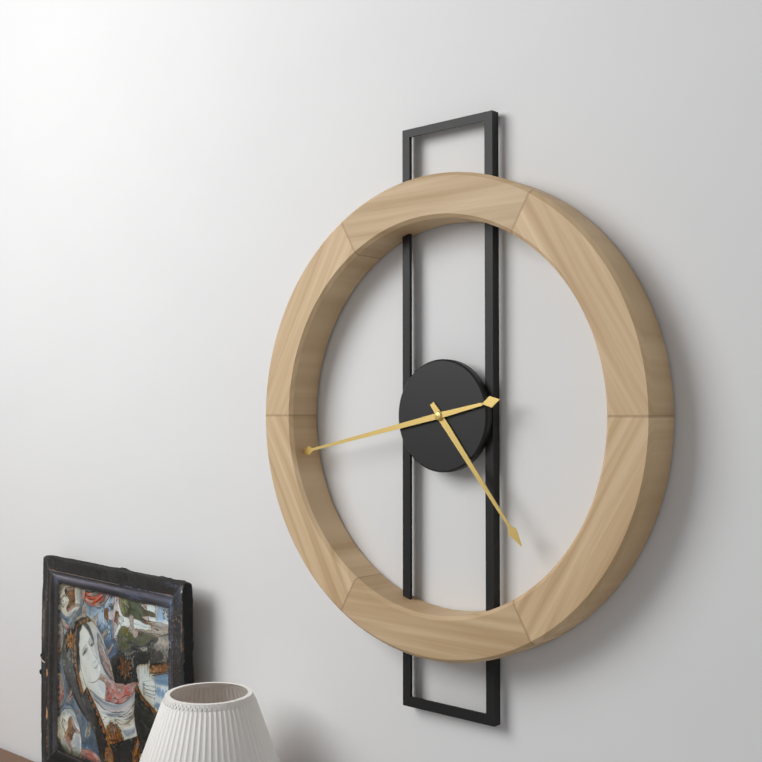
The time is 4:43
